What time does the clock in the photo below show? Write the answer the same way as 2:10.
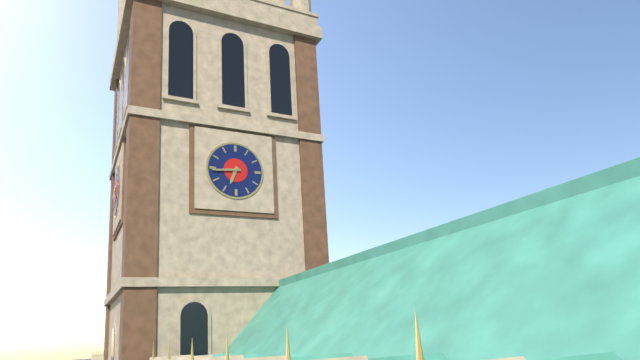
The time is 6:44
